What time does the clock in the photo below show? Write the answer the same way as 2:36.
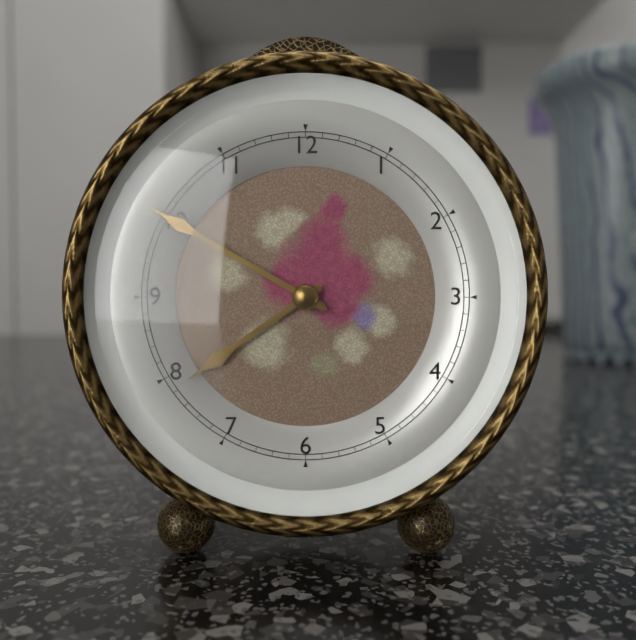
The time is 7:50
